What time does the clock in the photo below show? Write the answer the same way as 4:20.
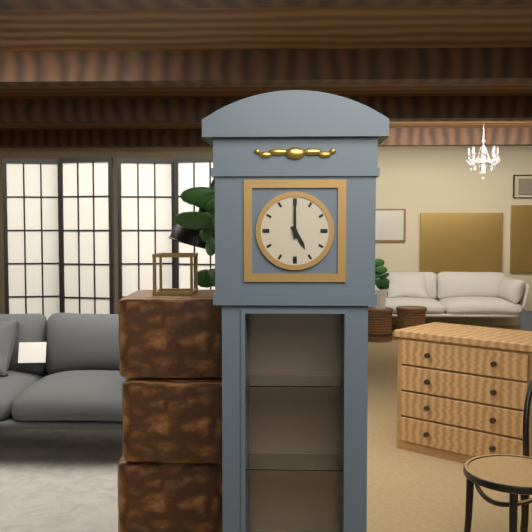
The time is 5:00
